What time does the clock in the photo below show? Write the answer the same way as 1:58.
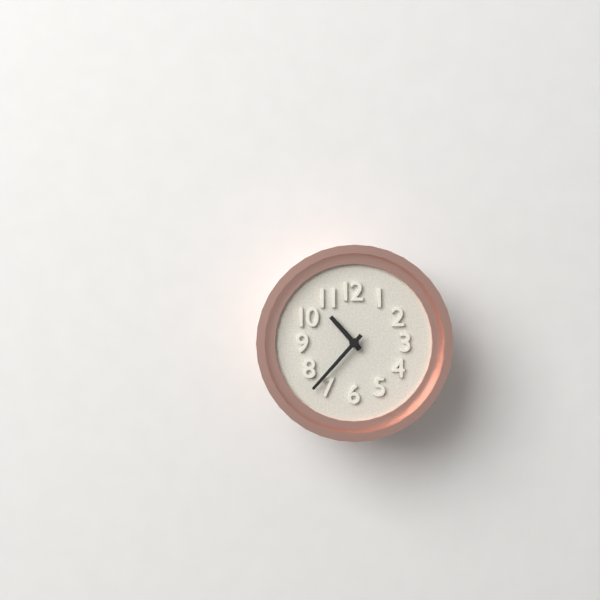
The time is 10:37
